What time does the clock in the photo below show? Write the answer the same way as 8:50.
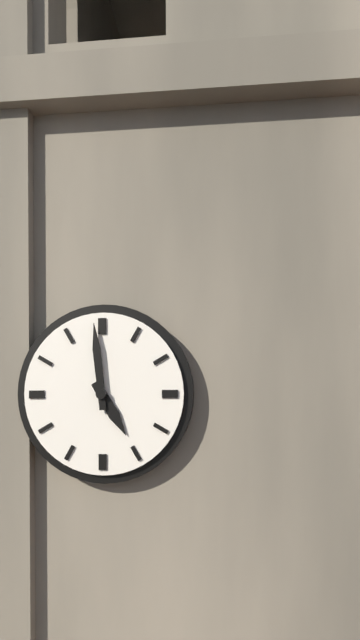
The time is 4:59
